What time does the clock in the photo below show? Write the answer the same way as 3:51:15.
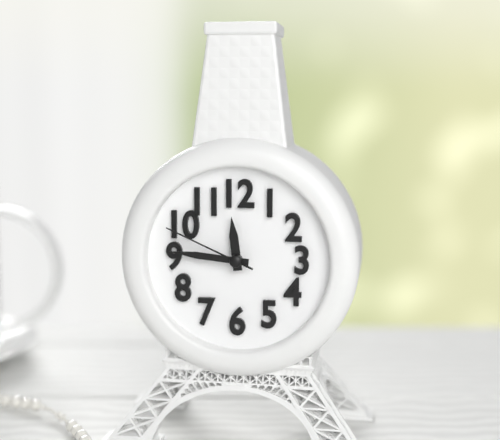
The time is 11:46:49
